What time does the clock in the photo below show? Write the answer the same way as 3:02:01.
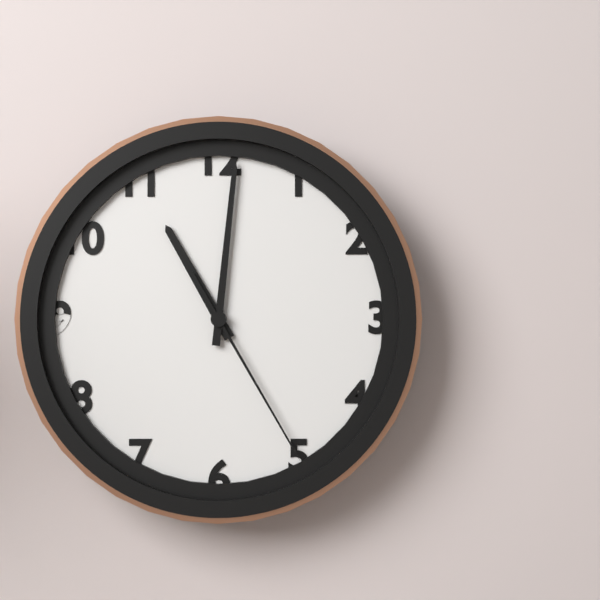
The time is 11:01:25
